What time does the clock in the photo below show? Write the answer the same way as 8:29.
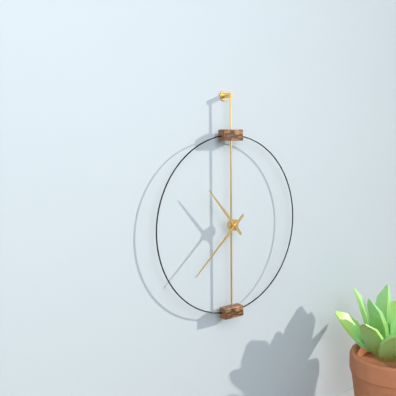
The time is 10:38
